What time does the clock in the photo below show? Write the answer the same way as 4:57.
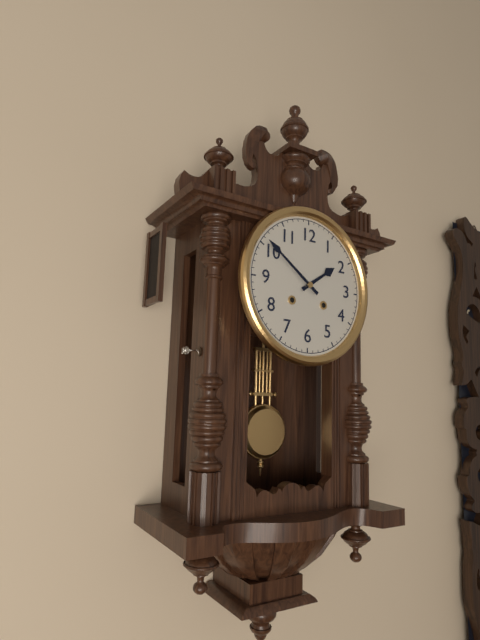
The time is 1:51
